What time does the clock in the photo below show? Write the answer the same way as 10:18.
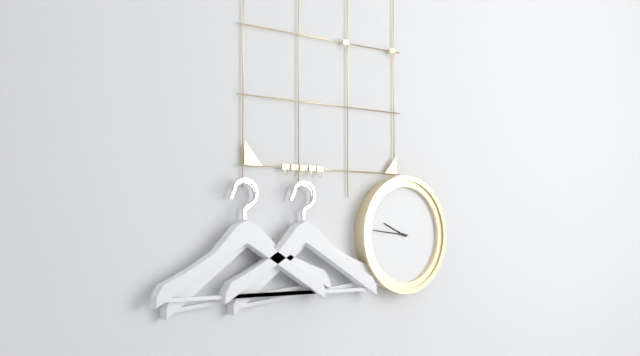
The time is 9:46
